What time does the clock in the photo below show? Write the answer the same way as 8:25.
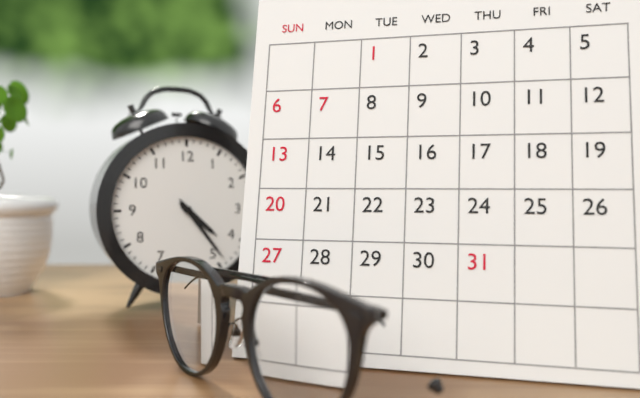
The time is 4:24
